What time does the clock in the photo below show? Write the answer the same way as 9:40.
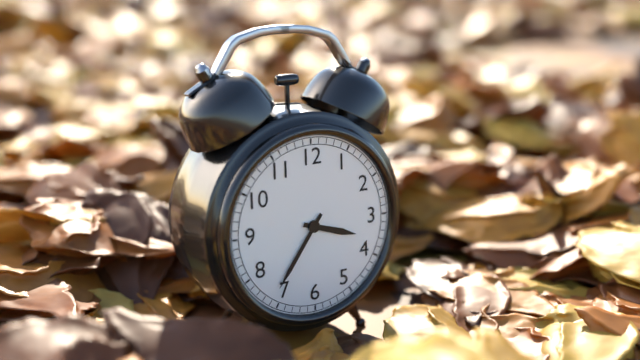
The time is 3:36
